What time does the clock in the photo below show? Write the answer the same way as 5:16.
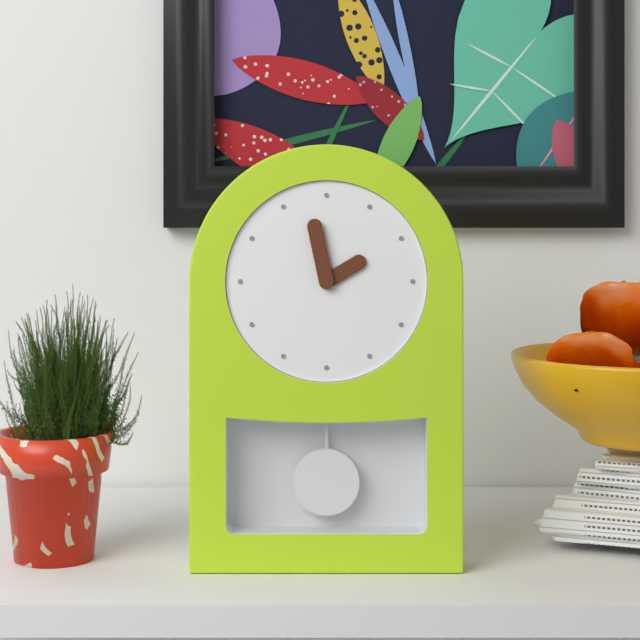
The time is 1:58
